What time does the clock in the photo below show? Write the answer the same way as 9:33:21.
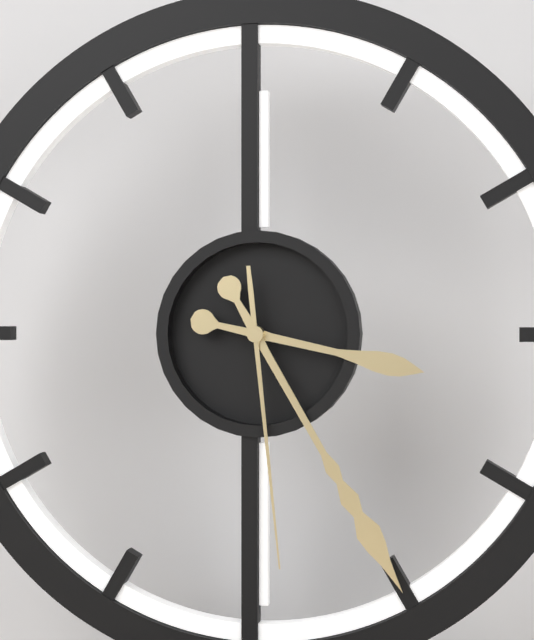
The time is 3:25:29
